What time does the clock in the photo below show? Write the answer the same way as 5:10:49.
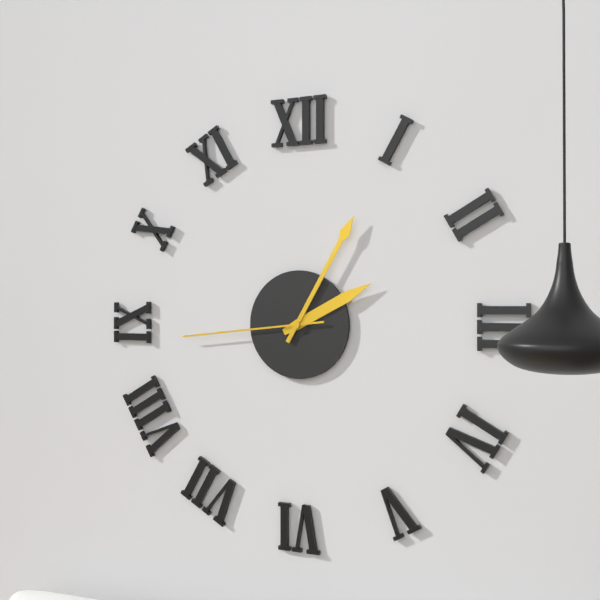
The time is 2:05:44
